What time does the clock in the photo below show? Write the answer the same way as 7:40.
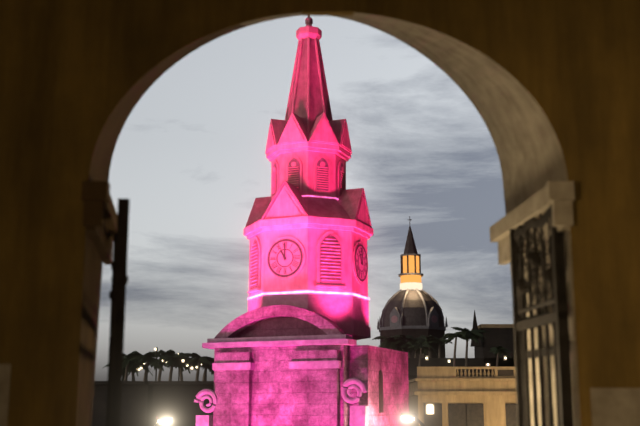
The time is 11:00
